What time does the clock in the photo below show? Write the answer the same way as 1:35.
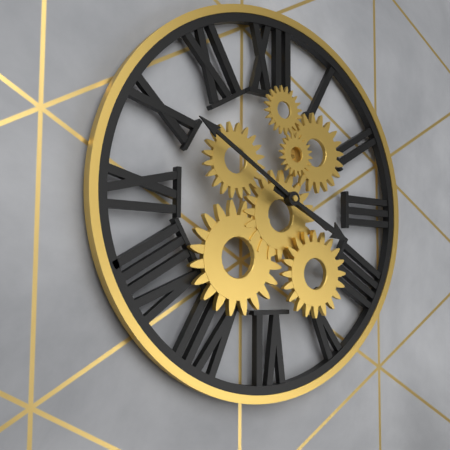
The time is 3:50
